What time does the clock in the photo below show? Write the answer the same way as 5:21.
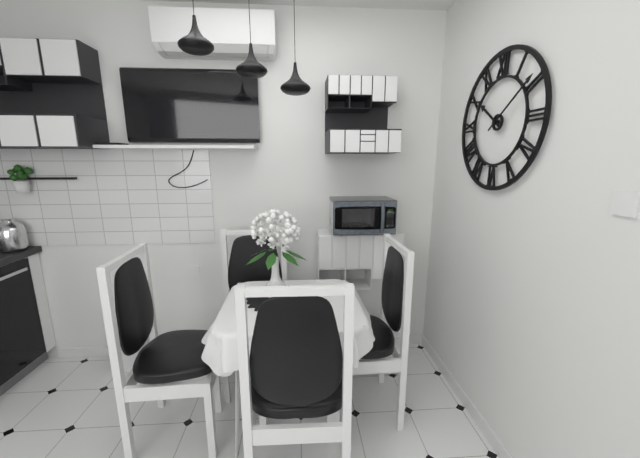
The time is 10:09
